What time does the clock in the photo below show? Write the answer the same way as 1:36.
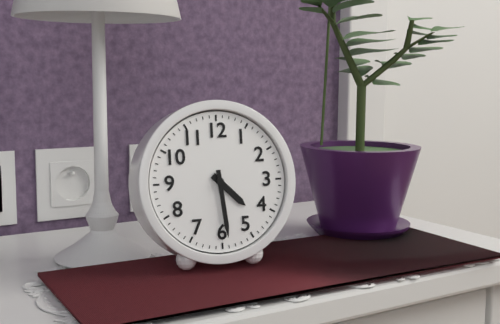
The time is 4:29
